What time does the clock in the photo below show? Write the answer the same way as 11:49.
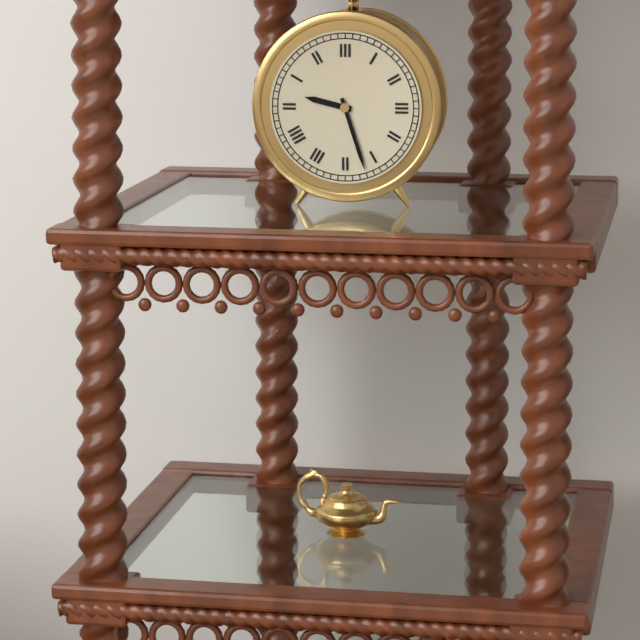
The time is 9:27
